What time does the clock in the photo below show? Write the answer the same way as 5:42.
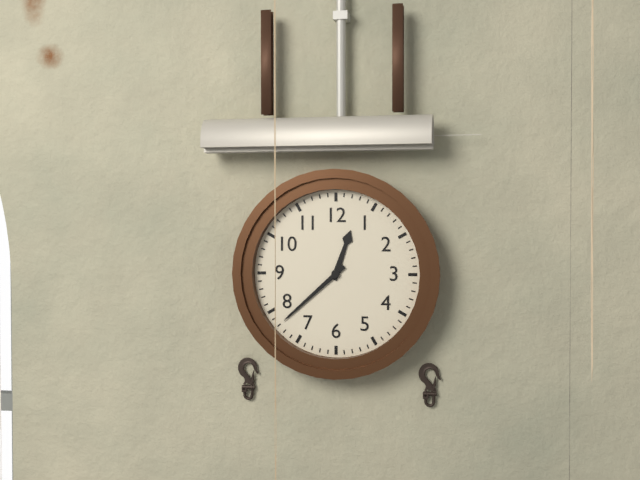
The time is 12:38
